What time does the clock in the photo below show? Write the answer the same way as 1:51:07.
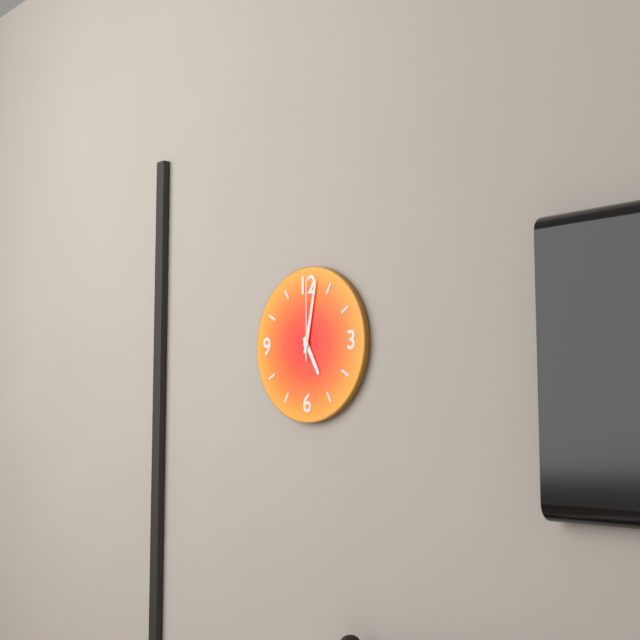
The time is 5:02:00
